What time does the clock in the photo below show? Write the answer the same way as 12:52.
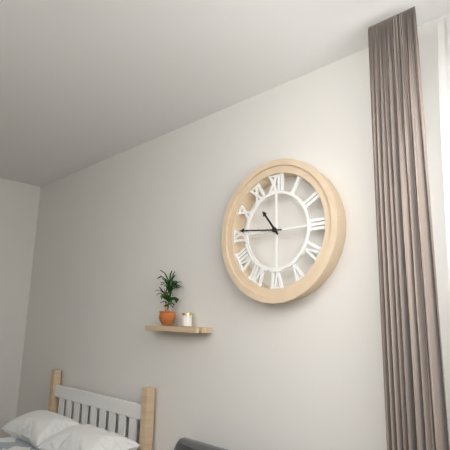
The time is 10:46
